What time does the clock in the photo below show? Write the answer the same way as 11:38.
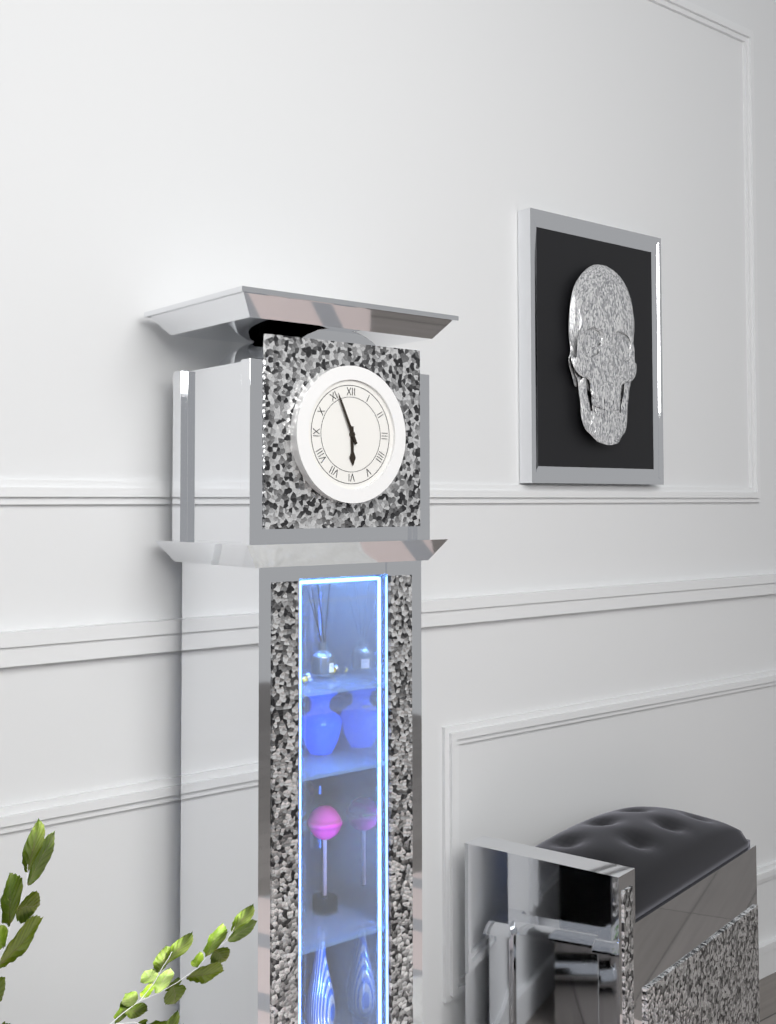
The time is 5:56
